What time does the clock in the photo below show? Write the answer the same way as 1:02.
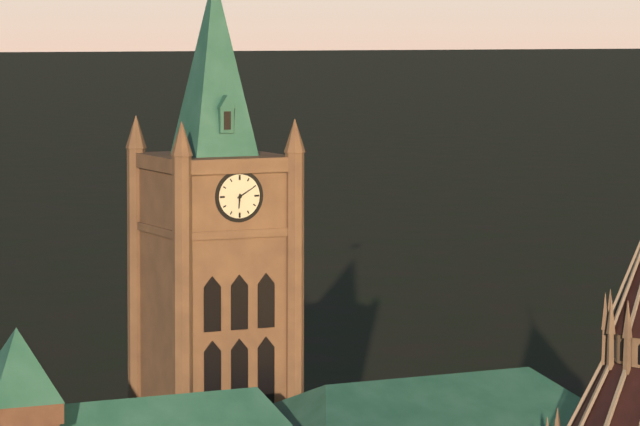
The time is 6:10
